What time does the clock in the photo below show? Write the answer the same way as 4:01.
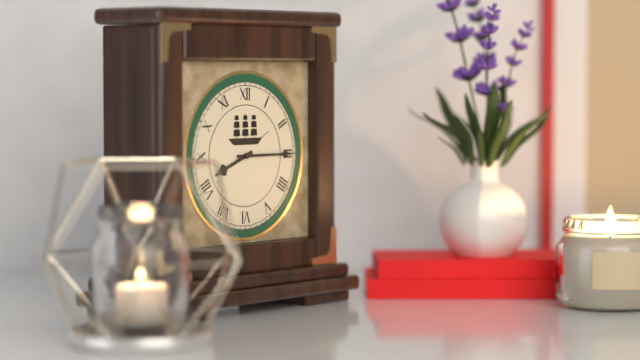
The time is 8:15
